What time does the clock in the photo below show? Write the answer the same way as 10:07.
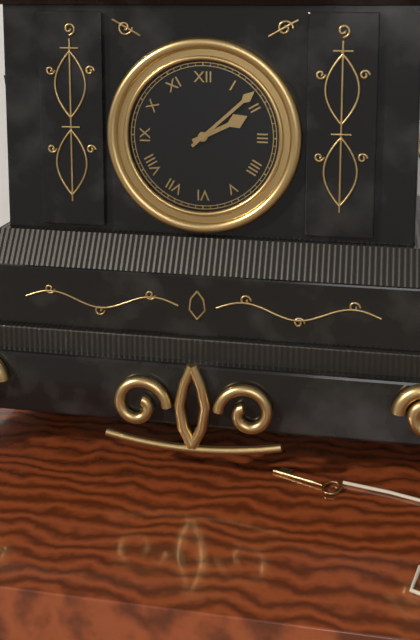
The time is 2:08
